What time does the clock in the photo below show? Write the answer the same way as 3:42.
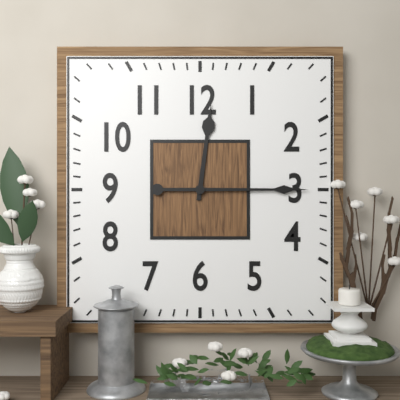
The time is 12:15
